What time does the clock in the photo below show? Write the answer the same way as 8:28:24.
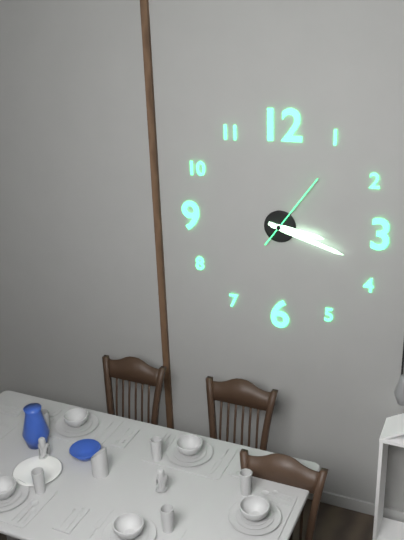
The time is 3:18:06
